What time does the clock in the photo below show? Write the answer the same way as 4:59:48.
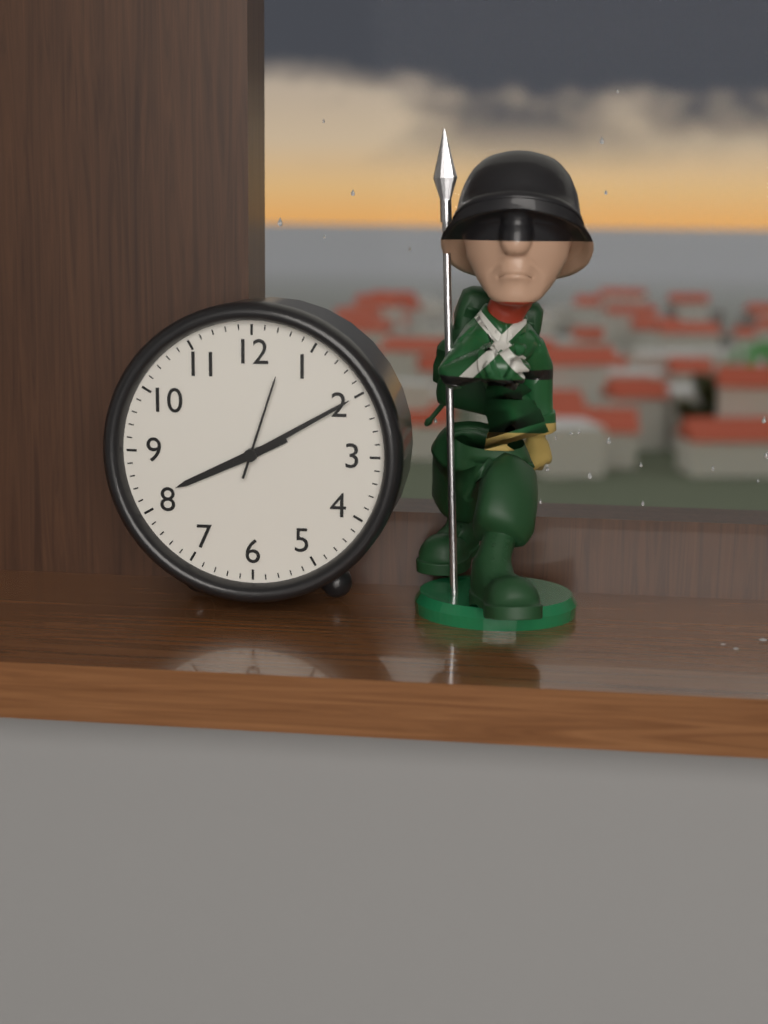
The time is 8:10:03
